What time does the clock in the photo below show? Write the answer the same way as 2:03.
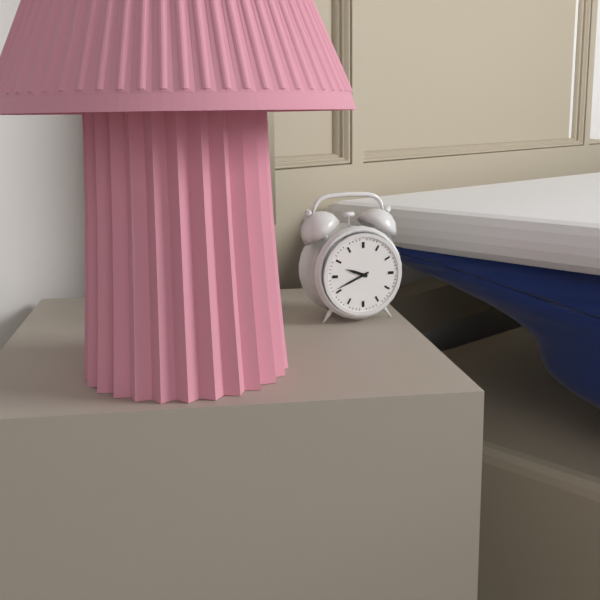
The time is 9:41
